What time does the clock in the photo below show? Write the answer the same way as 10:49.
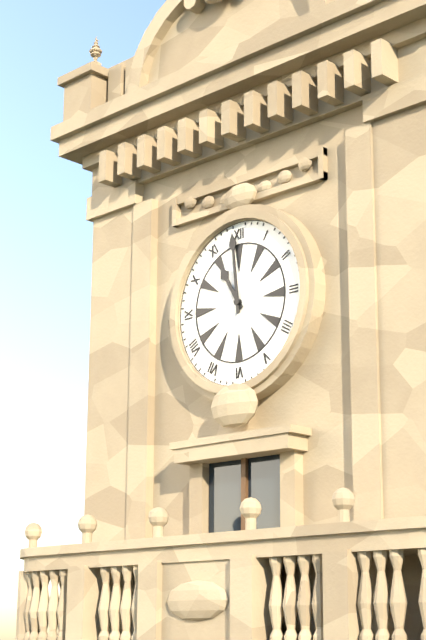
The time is 10:59
